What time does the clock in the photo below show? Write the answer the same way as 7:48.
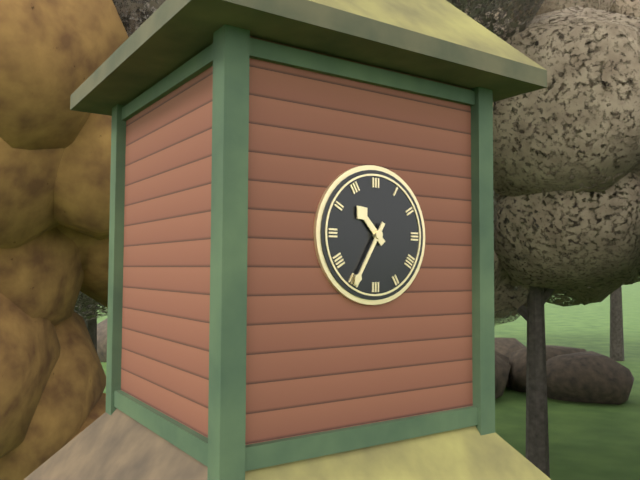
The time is 10:35
